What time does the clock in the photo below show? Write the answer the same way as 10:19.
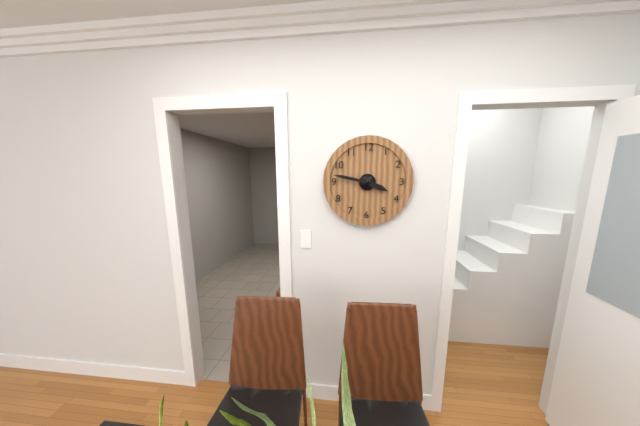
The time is 3:47
